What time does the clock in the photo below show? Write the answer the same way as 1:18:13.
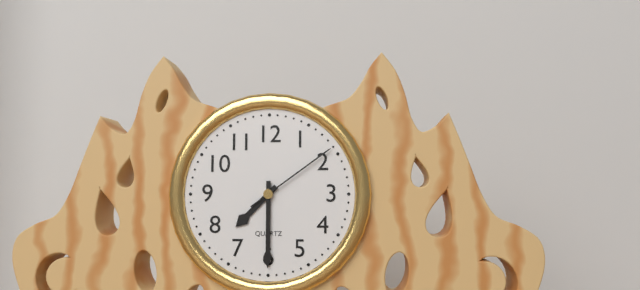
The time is 7:30:09
